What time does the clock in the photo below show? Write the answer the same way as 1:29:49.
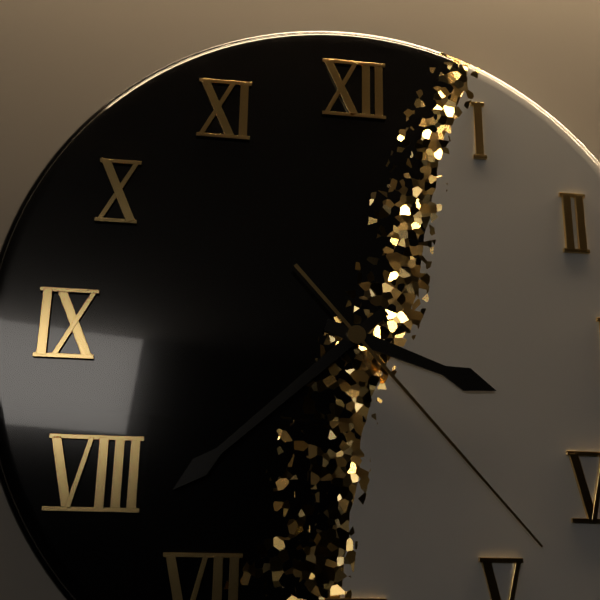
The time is 3:38:23
